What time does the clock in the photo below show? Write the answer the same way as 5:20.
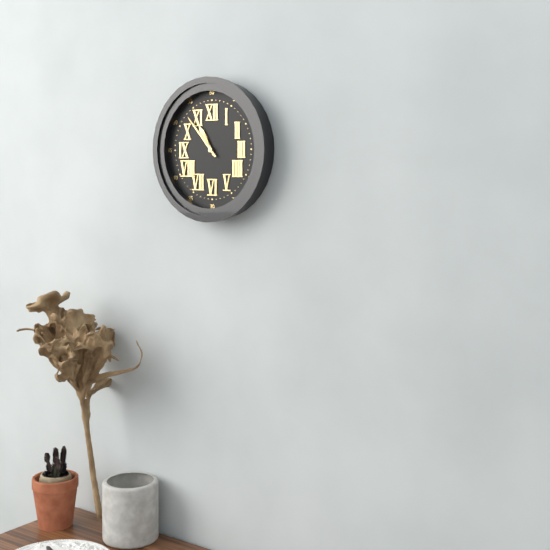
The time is 10:53
